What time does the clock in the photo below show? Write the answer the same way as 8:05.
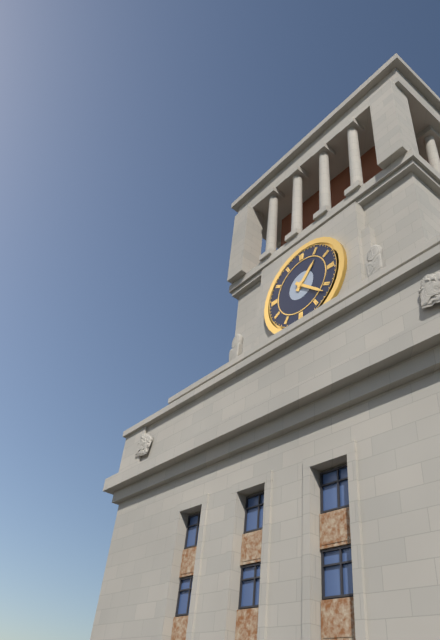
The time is 1:22
